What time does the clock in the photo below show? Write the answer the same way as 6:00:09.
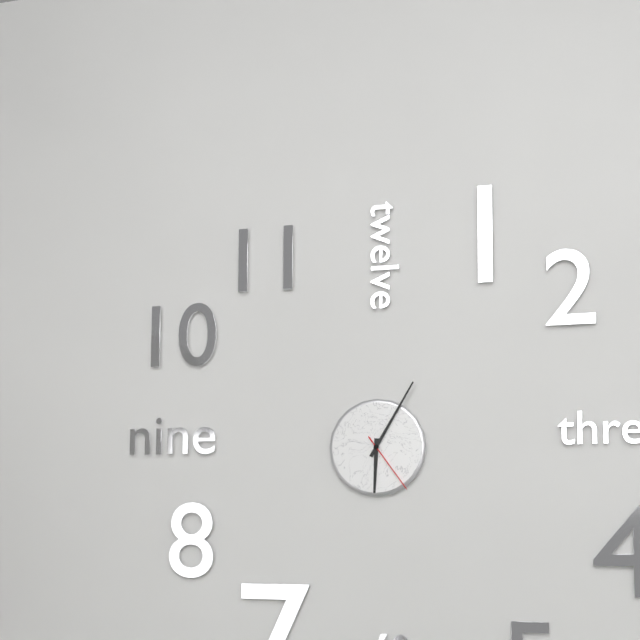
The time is 6:05:24
